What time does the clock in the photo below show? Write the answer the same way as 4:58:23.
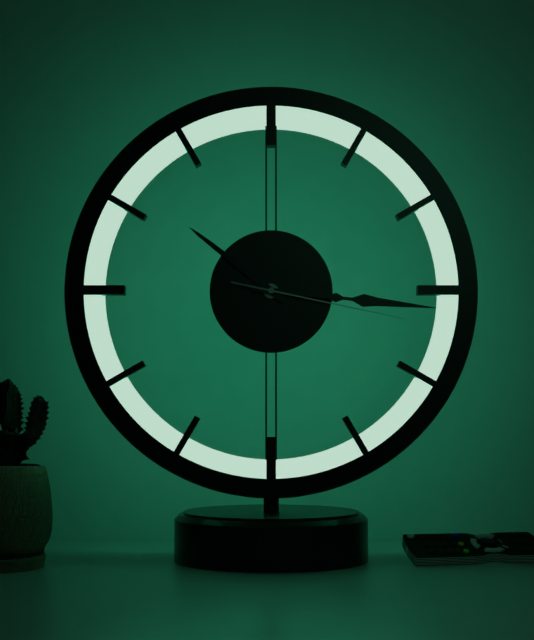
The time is 10:16:17
